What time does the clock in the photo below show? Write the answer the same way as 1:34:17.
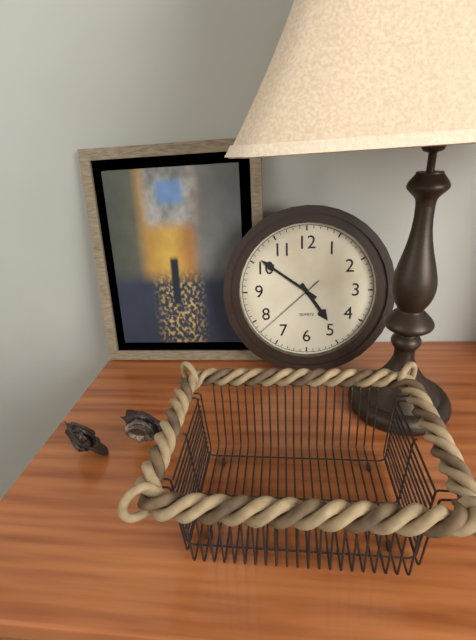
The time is 4:51:38
